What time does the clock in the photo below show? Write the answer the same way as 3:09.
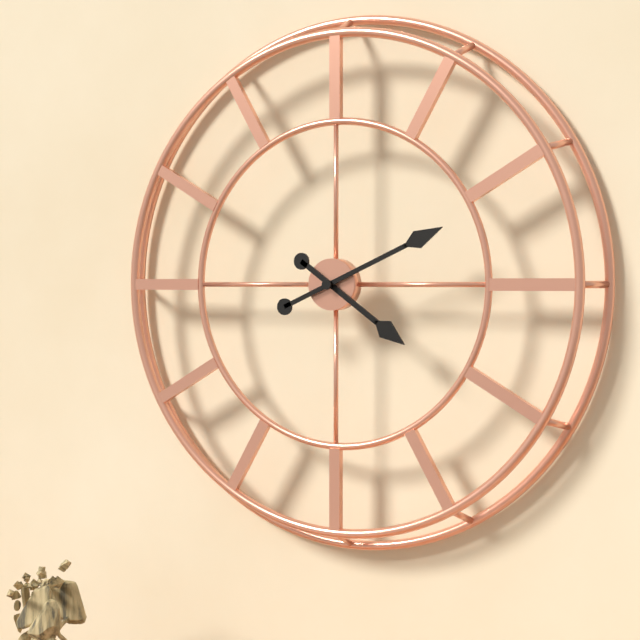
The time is 4:11
